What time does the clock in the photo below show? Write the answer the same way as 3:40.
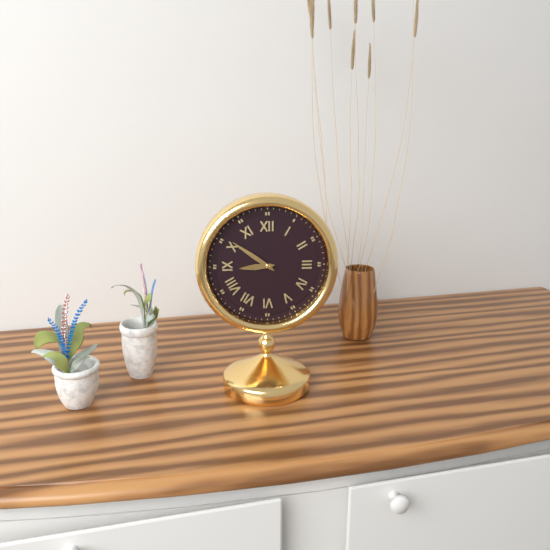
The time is 8:51
